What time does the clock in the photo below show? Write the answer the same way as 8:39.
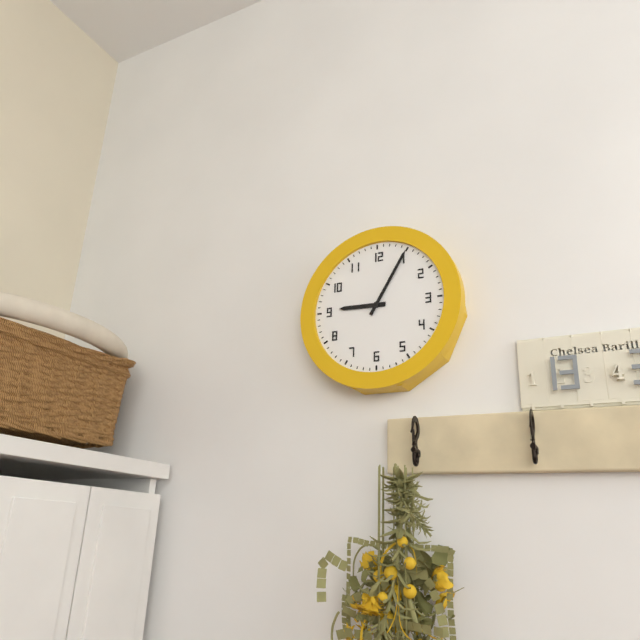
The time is 9:05
